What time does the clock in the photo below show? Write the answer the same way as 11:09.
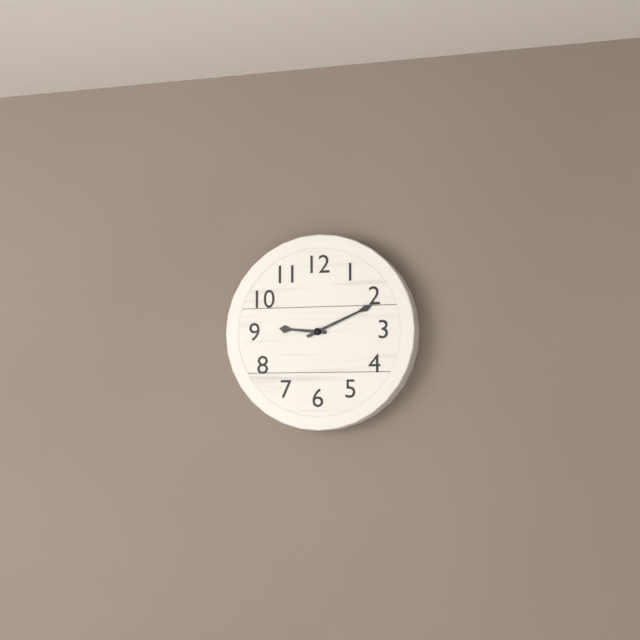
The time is 9:11
